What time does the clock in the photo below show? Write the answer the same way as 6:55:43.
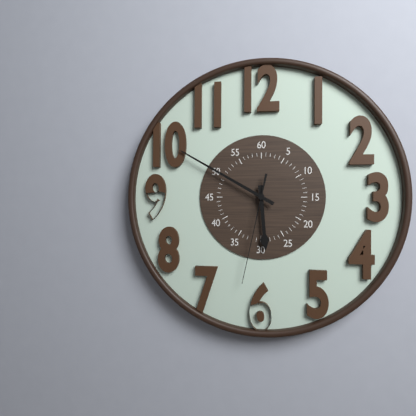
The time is 5:50:32
